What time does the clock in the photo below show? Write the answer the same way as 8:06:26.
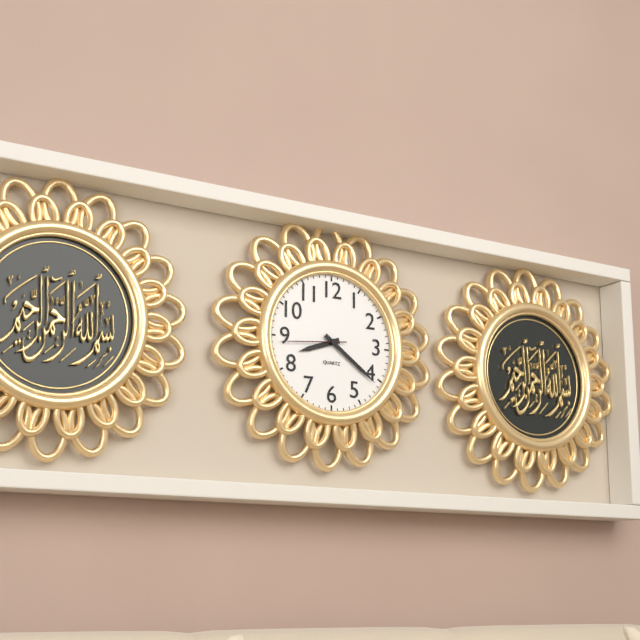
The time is 8:21:44
